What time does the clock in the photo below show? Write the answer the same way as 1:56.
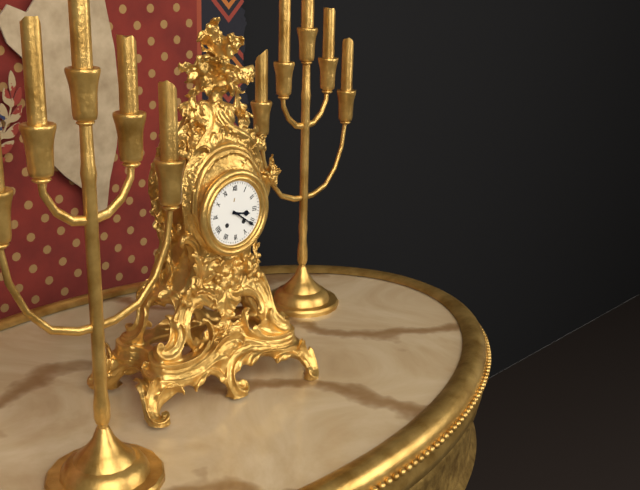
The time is 3:21
